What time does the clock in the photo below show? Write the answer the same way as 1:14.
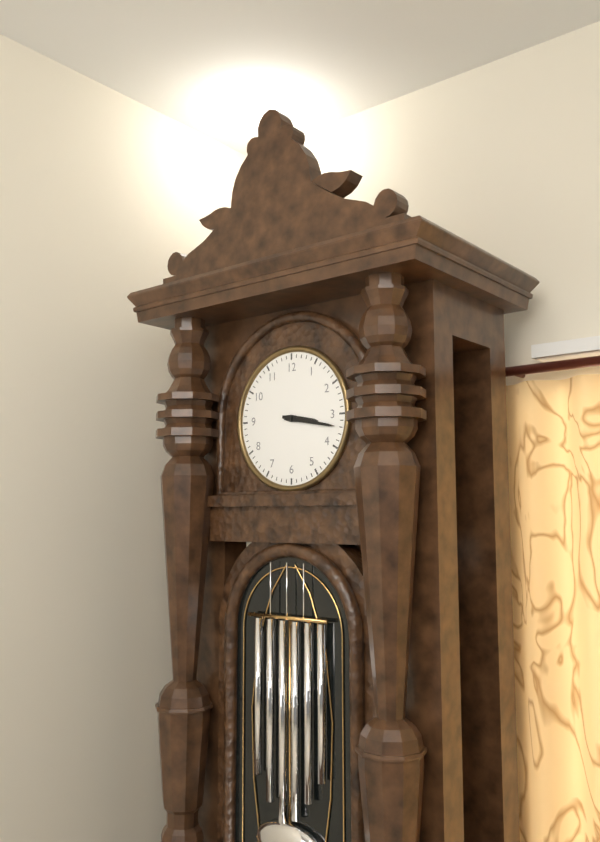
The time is 3:17
